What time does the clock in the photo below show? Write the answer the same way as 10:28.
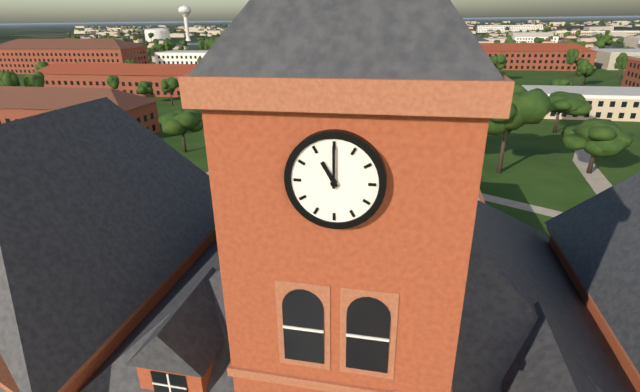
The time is 11:00
